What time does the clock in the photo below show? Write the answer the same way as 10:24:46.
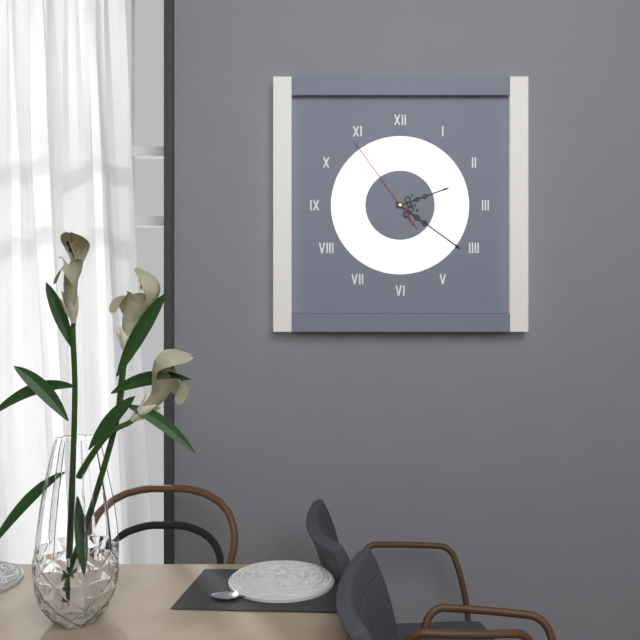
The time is 2:21:54
